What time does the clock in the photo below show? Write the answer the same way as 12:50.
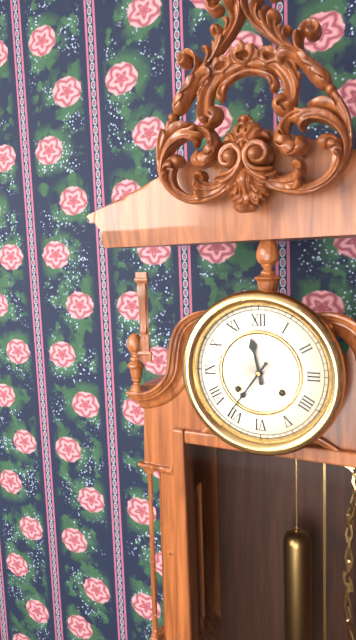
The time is 11:36
